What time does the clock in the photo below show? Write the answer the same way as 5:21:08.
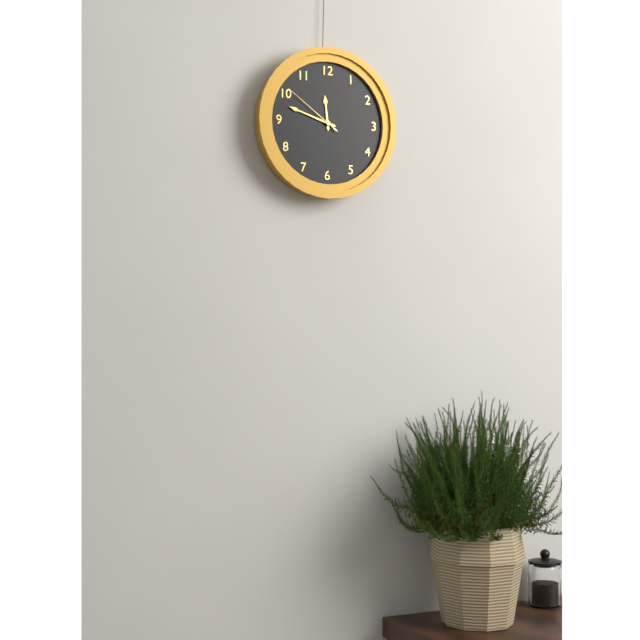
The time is 11:48:51
